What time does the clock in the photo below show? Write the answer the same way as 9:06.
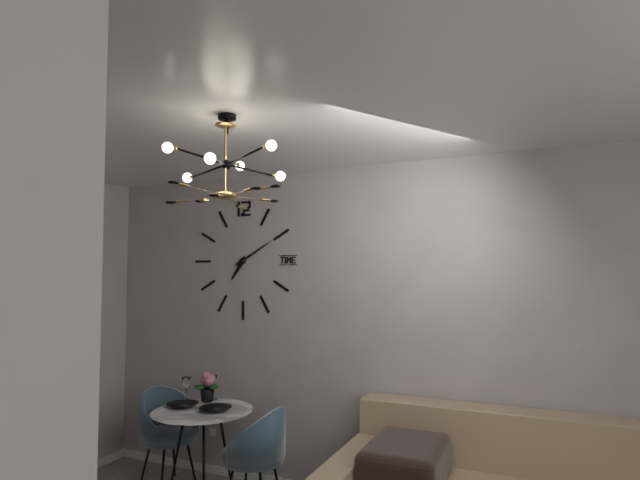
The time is 7:10
